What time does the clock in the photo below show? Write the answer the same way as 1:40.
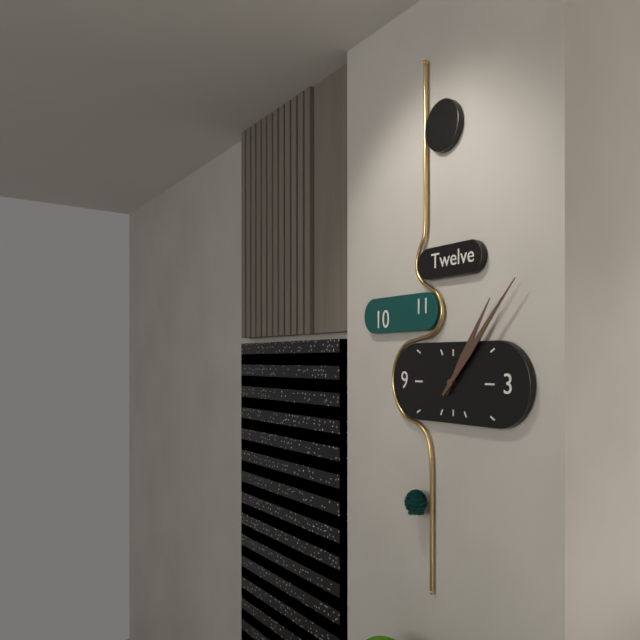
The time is 1:07
